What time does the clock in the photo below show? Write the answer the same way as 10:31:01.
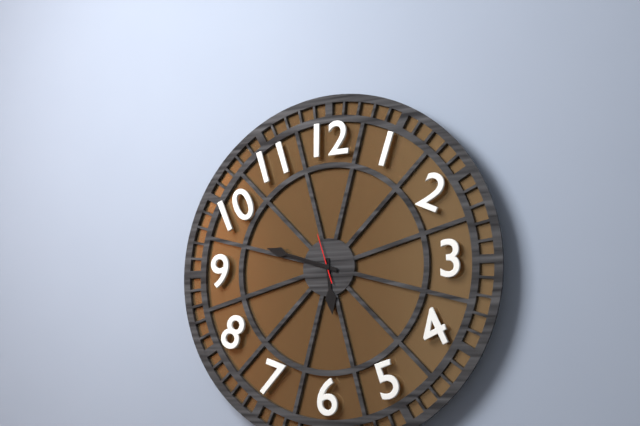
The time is 5:48:57
